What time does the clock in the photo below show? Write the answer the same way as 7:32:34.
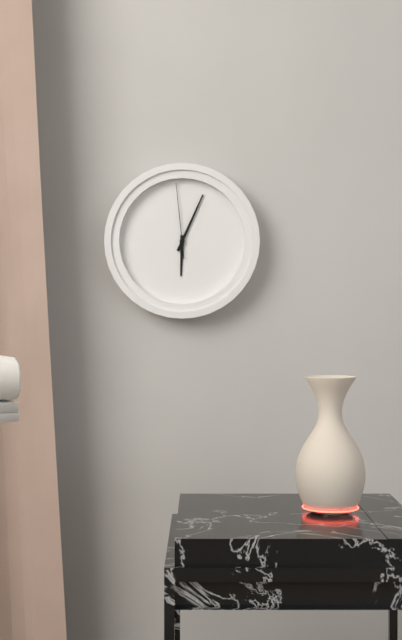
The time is 6:04:59
